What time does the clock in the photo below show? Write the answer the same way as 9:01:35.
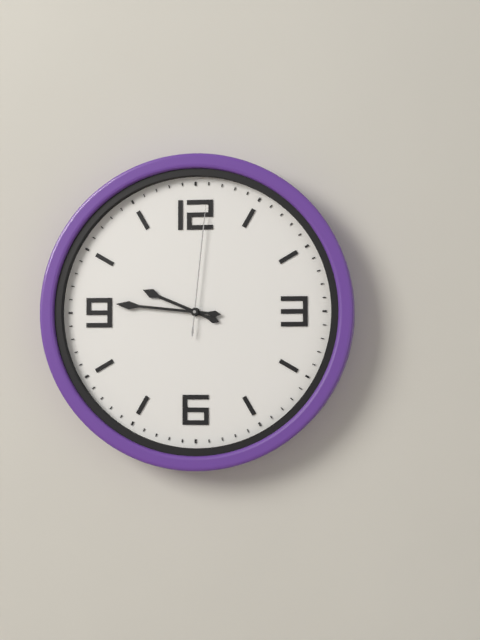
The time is 9:46:01
